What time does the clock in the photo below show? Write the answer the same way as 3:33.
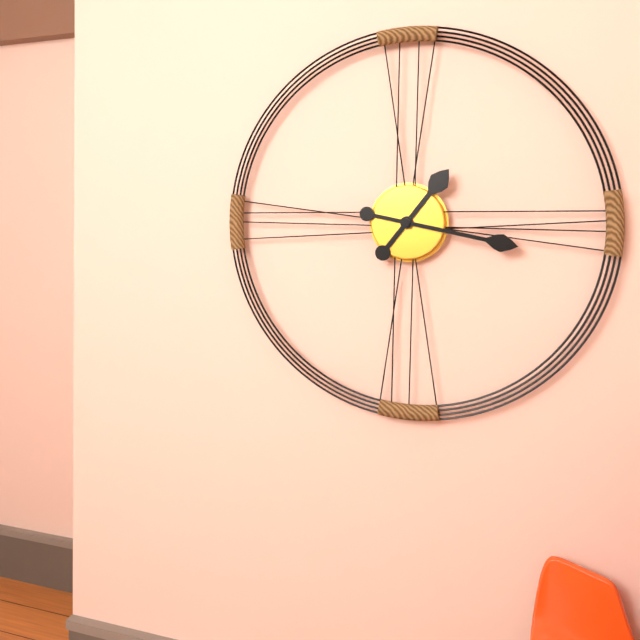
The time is 1:17
